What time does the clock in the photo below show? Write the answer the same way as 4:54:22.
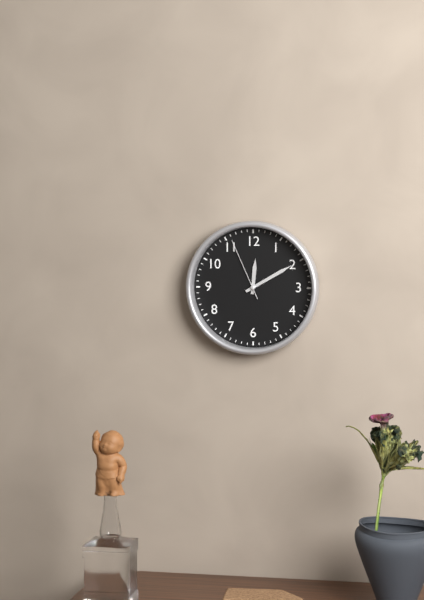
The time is 12:10:56
